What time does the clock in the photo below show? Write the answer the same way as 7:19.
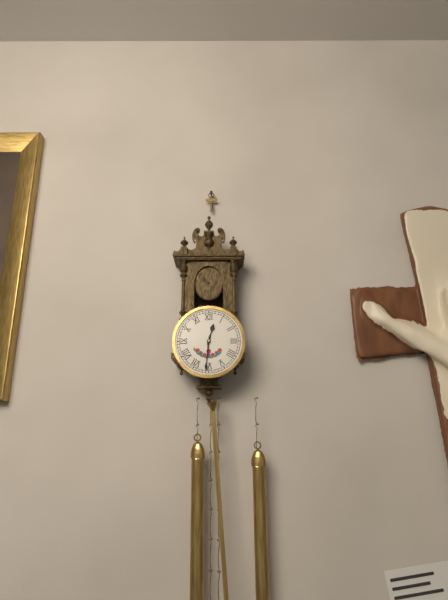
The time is 12:31
